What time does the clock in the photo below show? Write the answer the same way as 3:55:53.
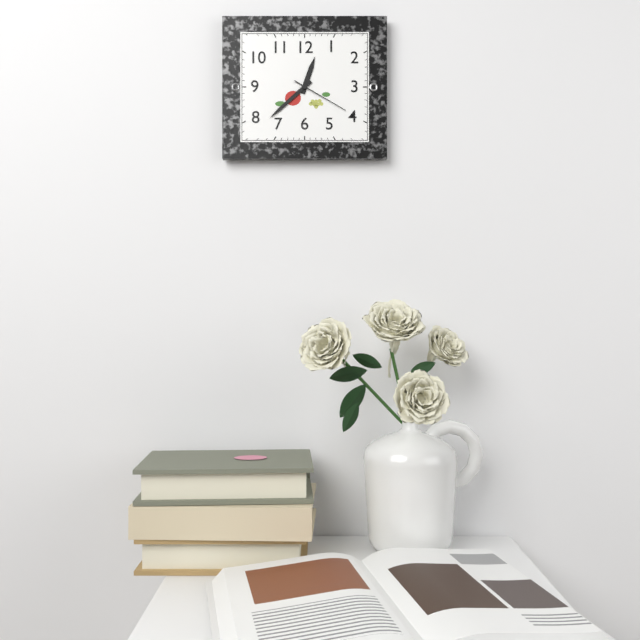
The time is 12:38:20
